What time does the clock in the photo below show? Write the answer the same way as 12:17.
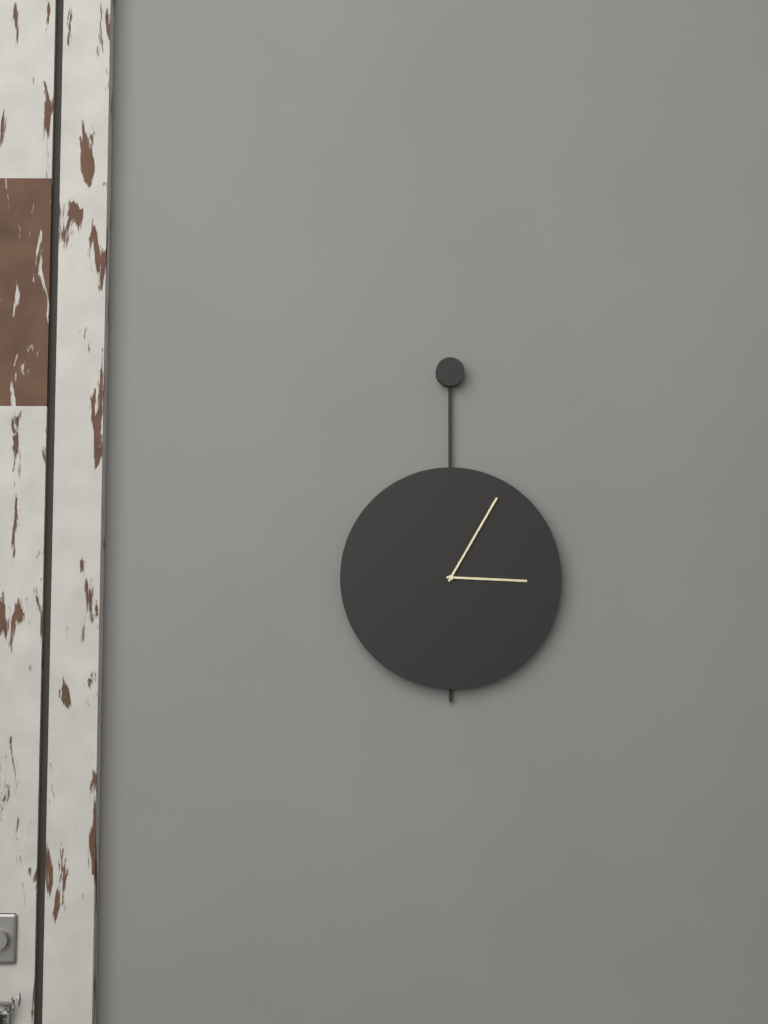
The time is 3:05
